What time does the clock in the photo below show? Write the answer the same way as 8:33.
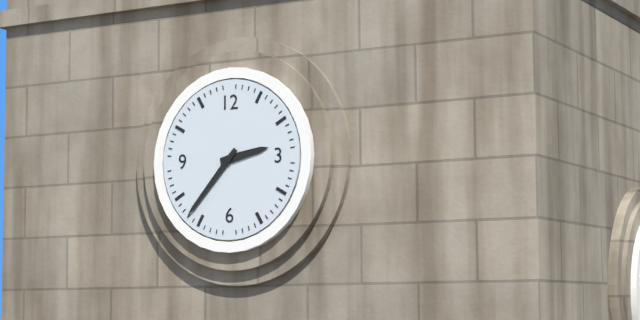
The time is 2:37
